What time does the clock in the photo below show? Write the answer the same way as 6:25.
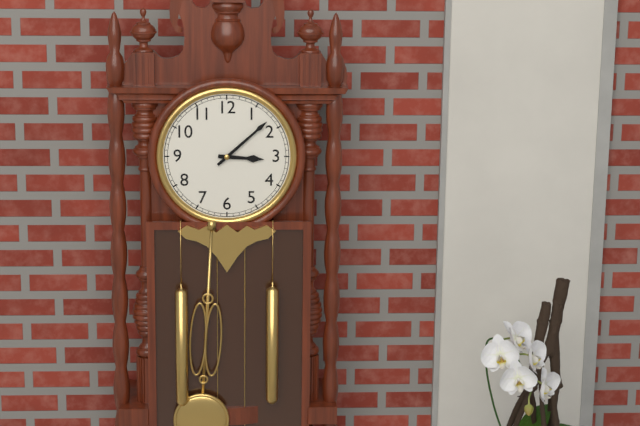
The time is 3:08
